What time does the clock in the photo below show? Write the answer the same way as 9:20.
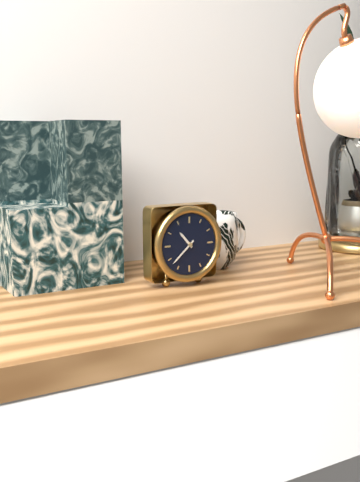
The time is 10:38
